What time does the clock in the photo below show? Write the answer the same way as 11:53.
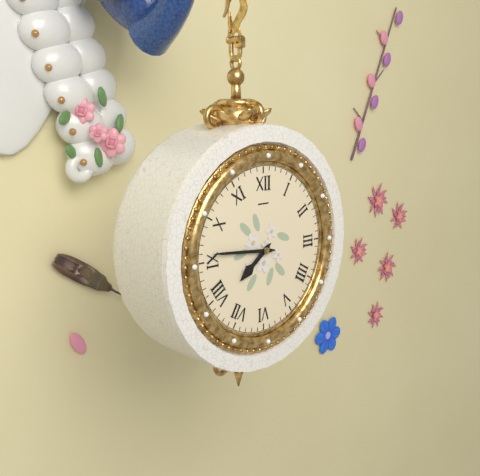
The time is 7:46
